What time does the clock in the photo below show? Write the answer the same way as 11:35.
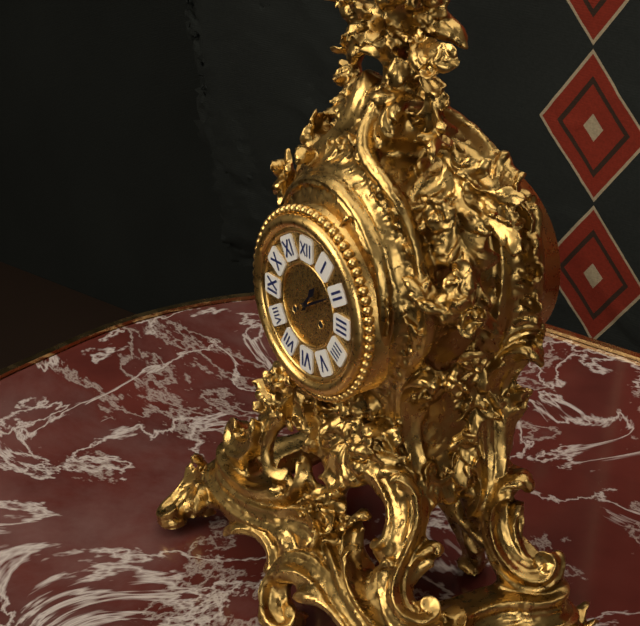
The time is 1:10
